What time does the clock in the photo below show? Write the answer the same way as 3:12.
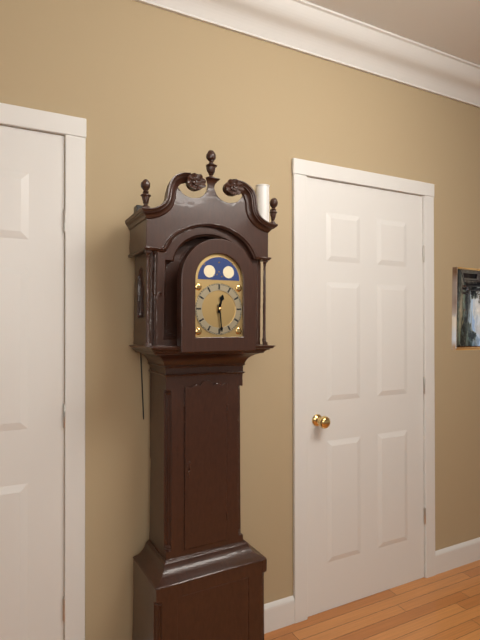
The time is 12:29
